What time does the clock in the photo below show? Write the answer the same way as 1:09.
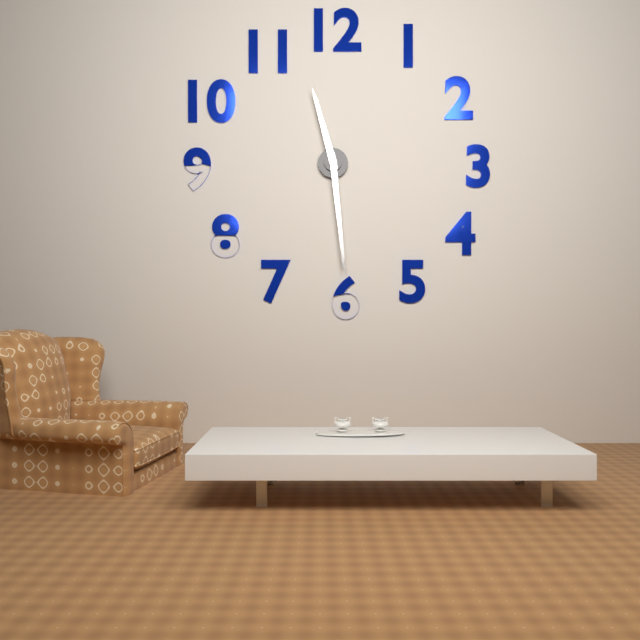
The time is 11:29
